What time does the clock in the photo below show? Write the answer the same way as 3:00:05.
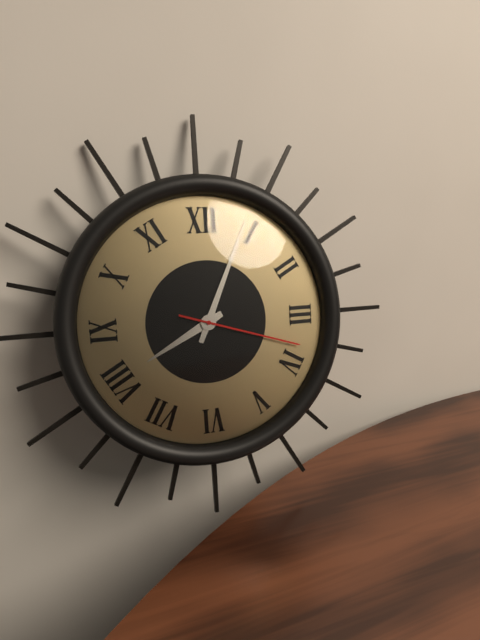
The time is 8:04:18
